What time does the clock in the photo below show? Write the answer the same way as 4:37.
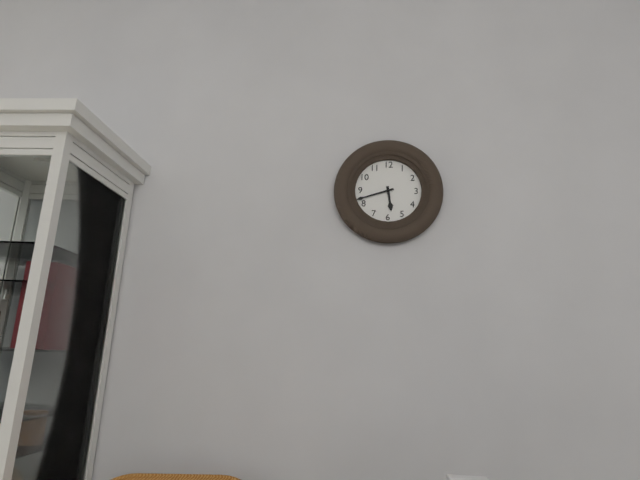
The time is 5:42
